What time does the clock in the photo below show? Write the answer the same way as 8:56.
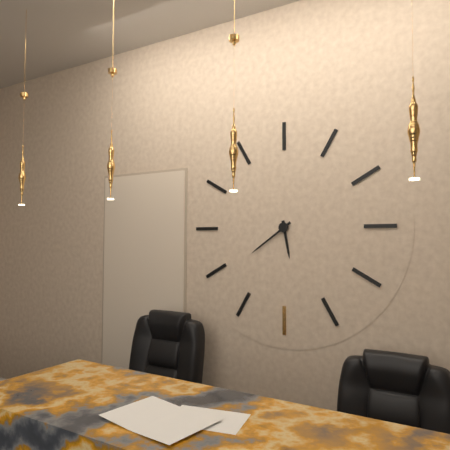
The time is 5:39
